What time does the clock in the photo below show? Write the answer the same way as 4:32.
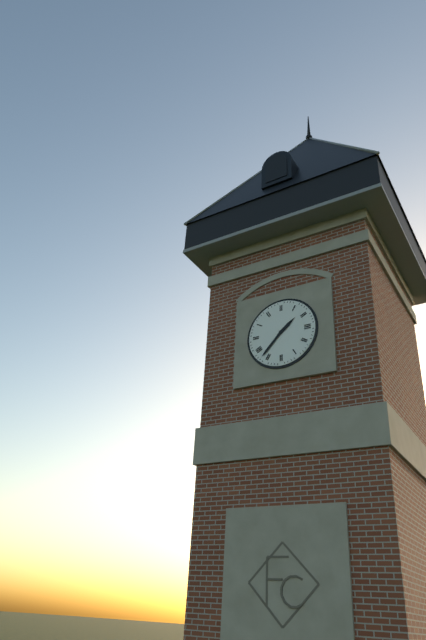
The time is 1:37
